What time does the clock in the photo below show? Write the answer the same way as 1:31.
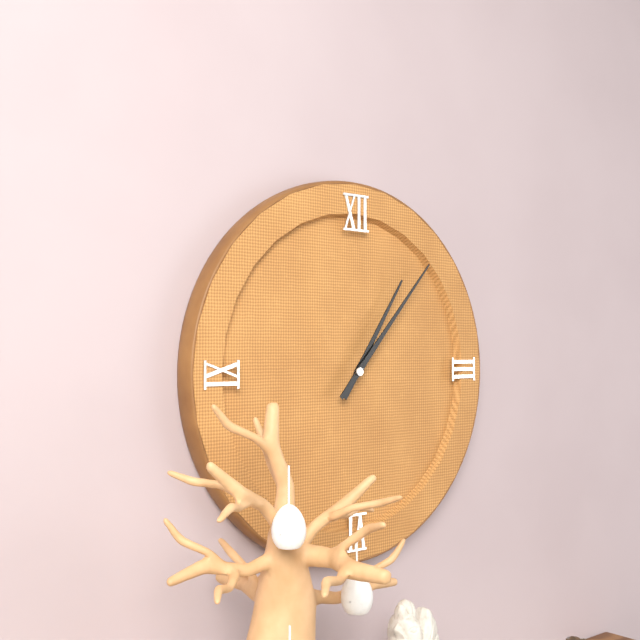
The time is 1:07
